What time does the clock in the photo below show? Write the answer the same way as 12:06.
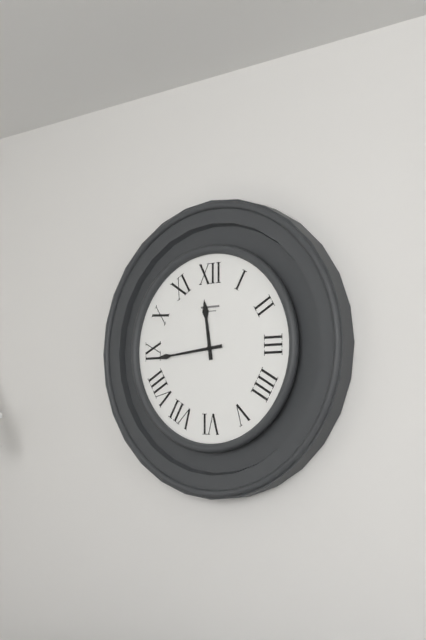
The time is 11:44
